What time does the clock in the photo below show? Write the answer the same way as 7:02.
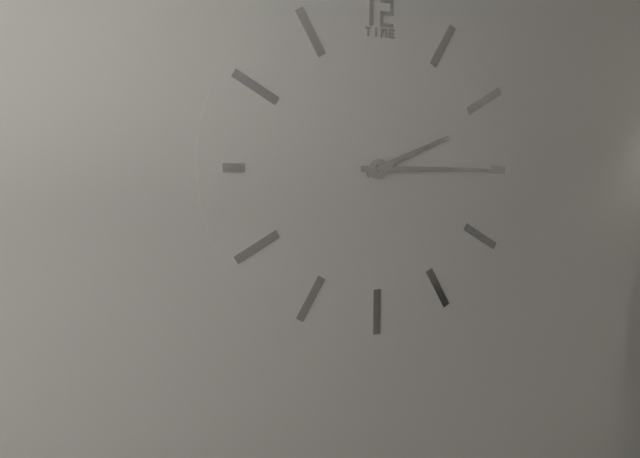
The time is 2:15
